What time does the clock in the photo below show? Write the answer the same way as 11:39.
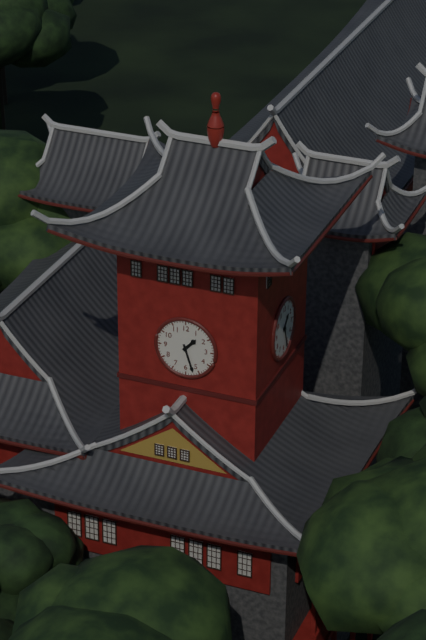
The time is 1:27
